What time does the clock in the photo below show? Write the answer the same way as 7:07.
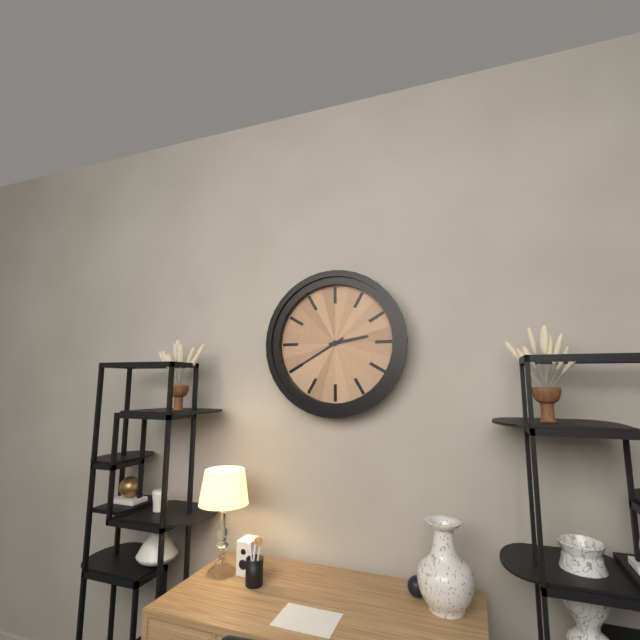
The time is 2:40
